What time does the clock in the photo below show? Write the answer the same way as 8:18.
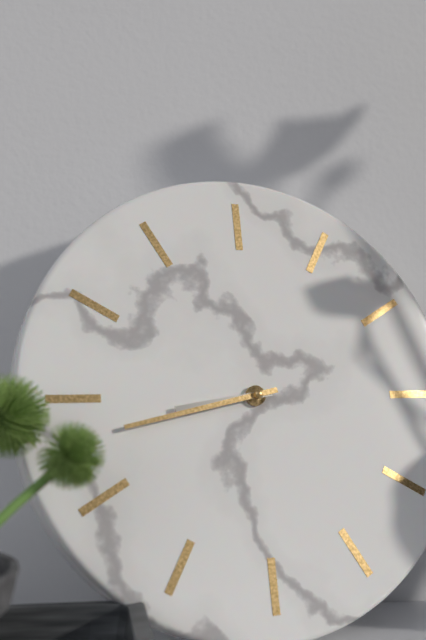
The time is 8:43
